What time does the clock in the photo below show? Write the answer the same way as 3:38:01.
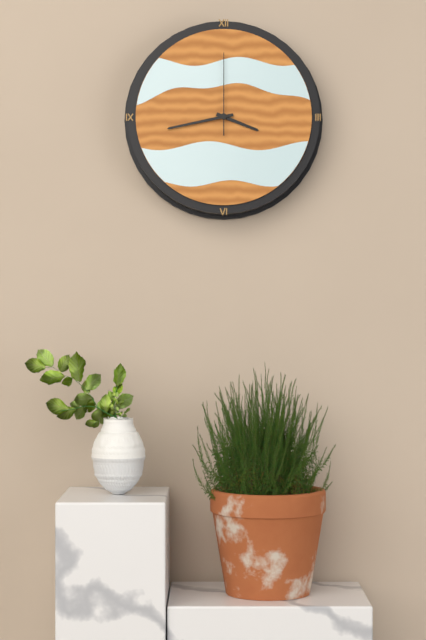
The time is 3:43:00
